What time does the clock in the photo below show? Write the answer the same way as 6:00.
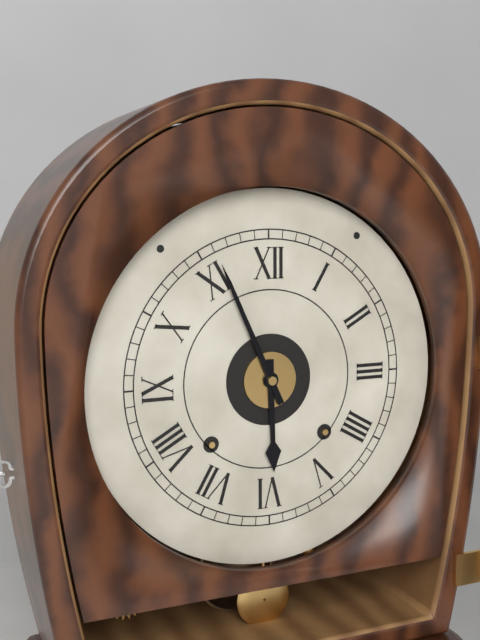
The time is 5:56
